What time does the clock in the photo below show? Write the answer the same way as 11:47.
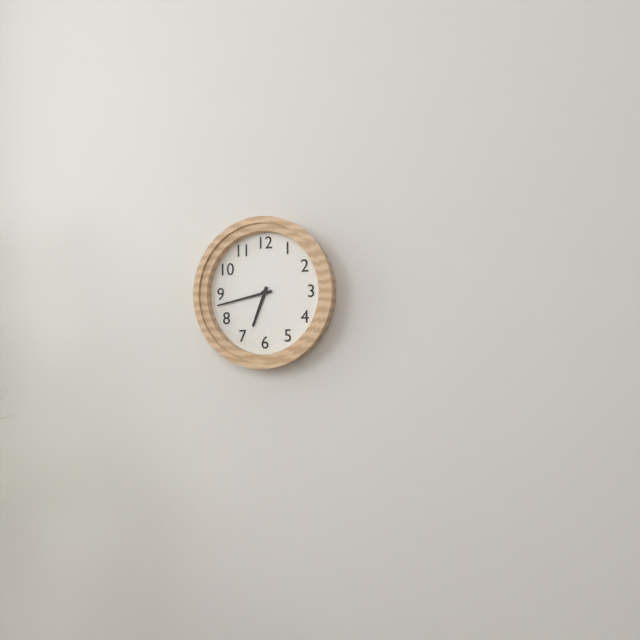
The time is 6:43
